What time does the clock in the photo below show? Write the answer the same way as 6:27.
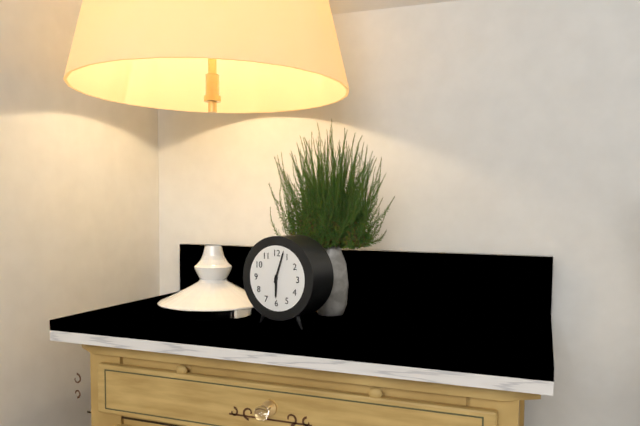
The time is 6:03
